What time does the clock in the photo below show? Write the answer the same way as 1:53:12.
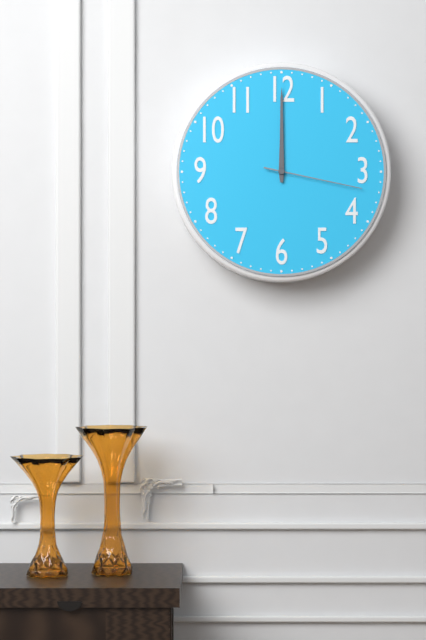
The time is 12:00:17
